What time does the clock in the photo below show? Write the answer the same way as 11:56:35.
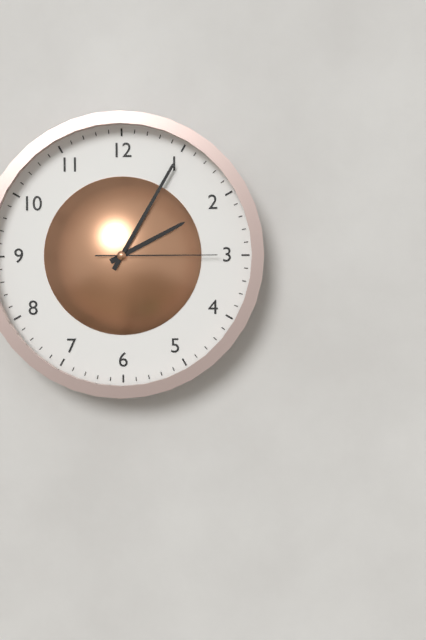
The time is 2:05:15
